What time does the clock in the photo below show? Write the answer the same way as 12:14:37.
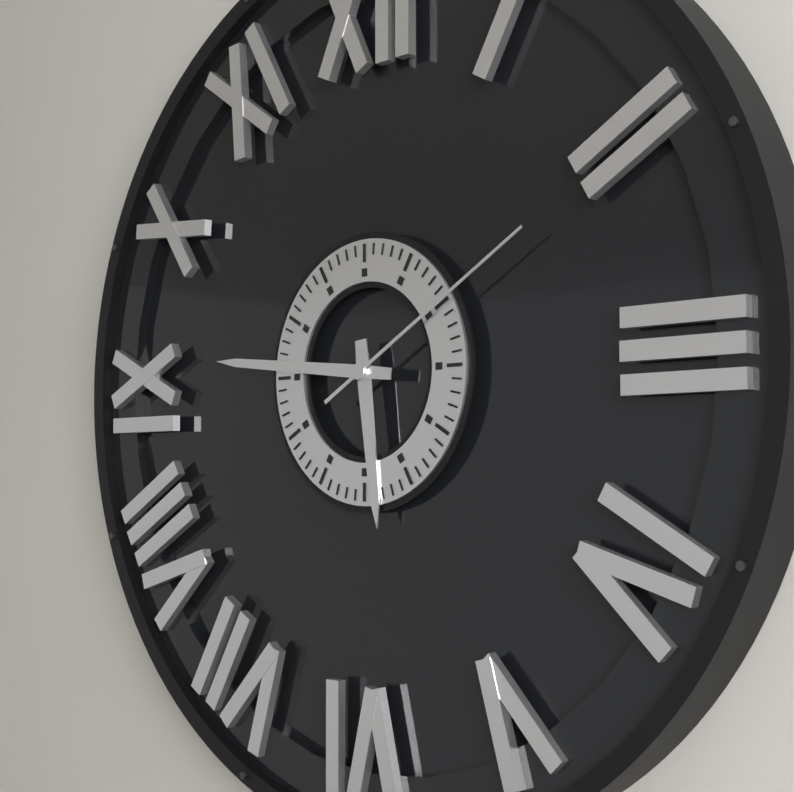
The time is 5:46:10
